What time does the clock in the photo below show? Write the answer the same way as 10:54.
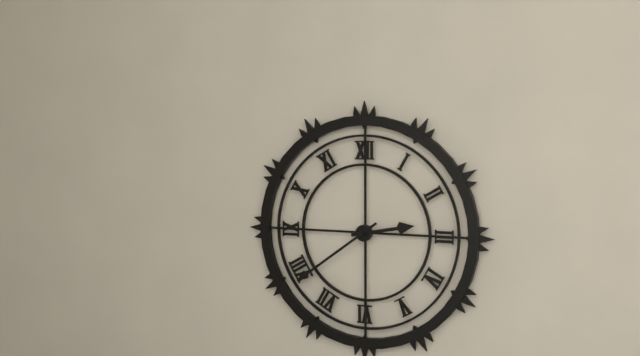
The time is 2:39
